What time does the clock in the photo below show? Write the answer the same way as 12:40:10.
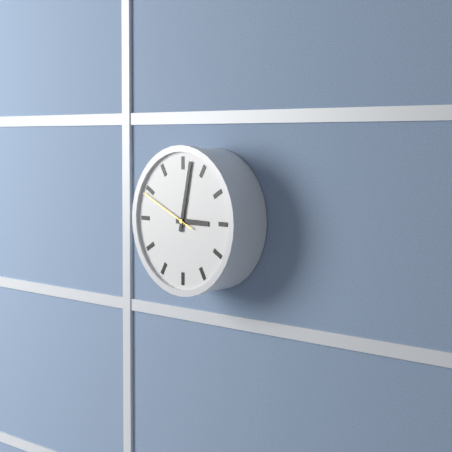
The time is 3:02:49
